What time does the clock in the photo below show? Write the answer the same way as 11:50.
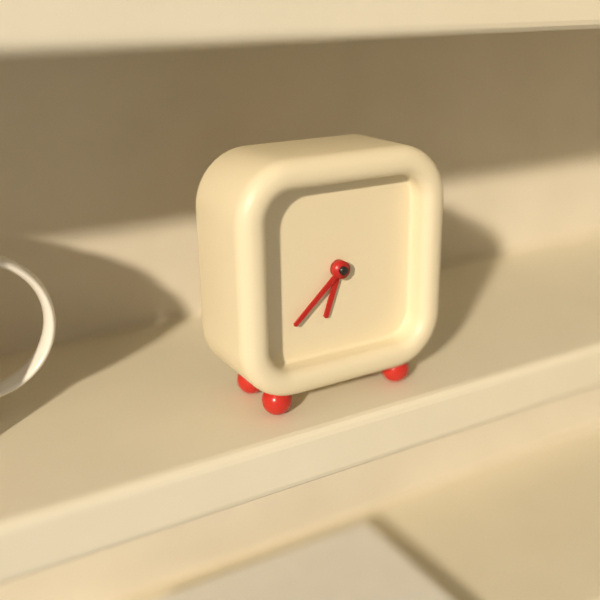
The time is 6:38
